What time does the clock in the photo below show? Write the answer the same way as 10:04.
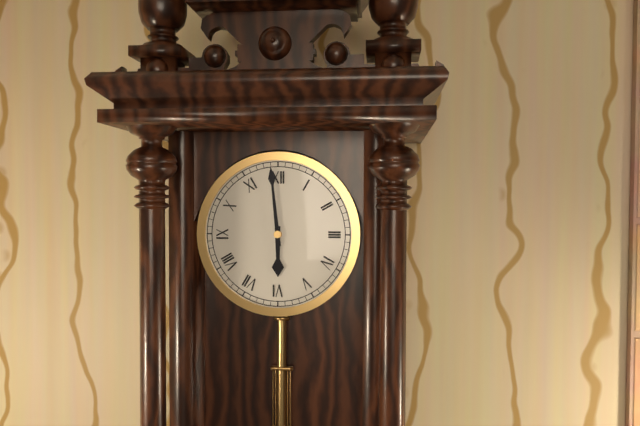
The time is 5:59
